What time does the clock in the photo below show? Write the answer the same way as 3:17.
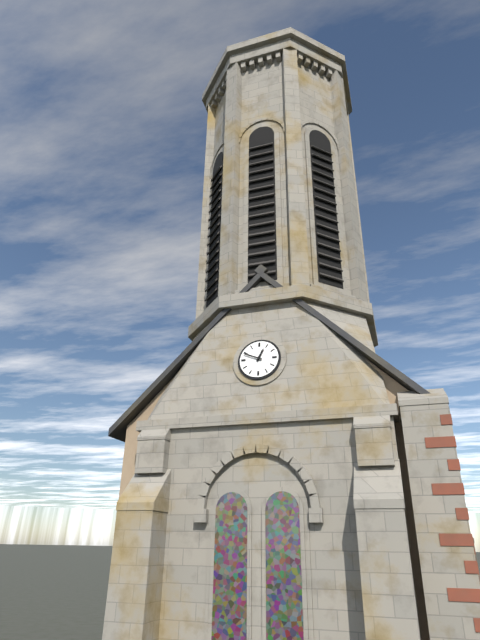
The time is 12:49
